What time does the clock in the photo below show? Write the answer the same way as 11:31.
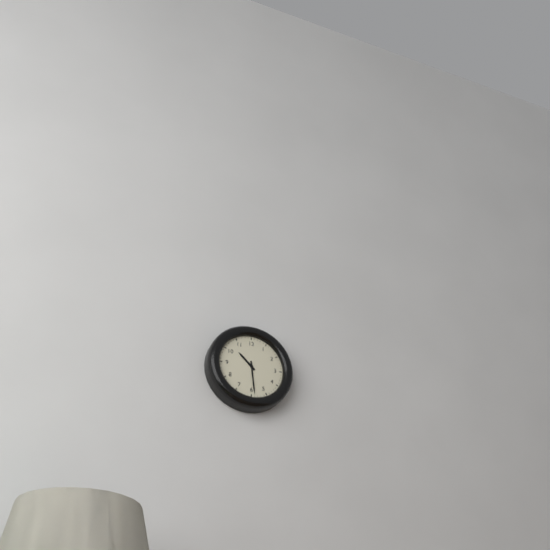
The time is 10:29
